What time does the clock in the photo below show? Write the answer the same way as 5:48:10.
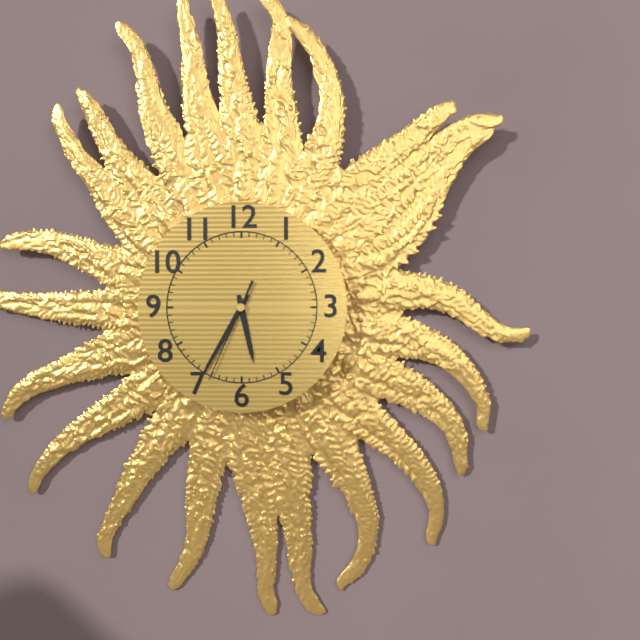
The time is 5:35:34
